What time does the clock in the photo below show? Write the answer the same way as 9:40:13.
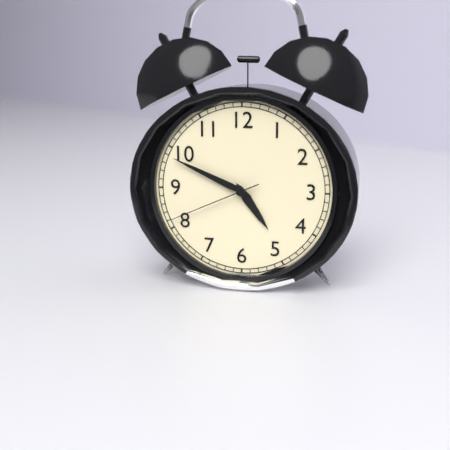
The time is 4:49:41
